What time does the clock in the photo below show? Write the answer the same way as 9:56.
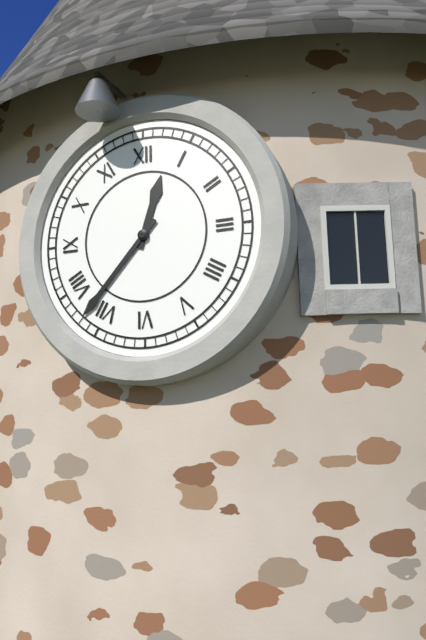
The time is 12:37
